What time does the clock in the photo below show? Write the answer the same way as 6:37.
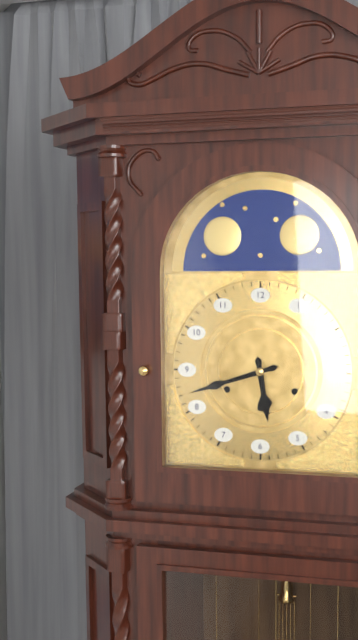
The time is 5:42
